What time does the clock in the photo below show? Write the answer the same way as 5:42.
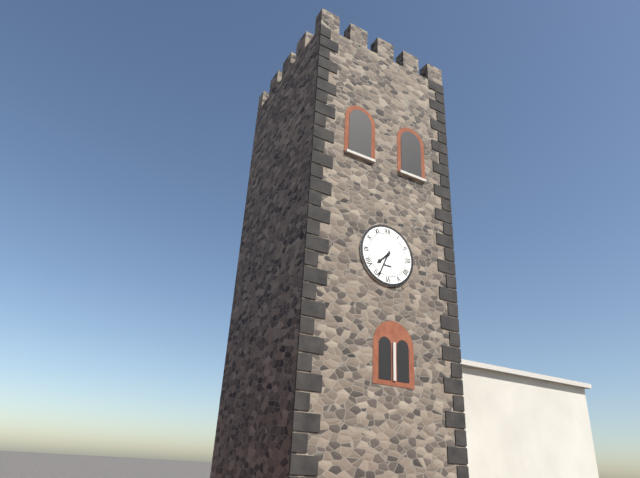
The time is 7:34
